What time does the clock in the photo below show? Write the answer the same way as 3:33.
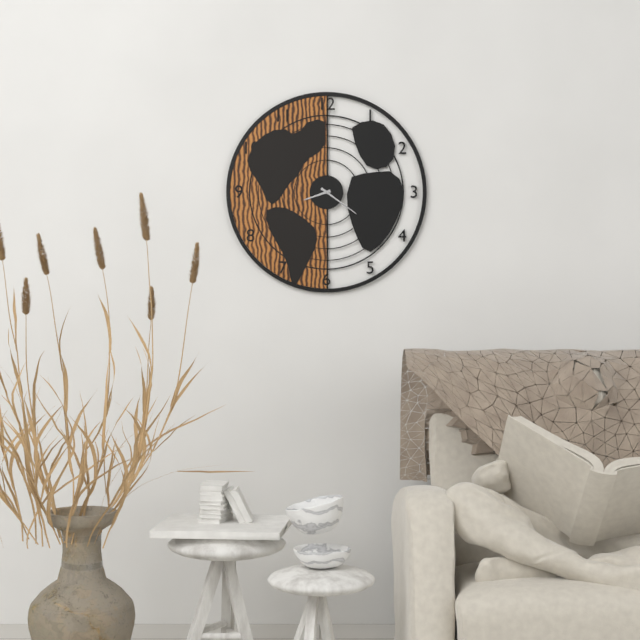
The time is 8:21
